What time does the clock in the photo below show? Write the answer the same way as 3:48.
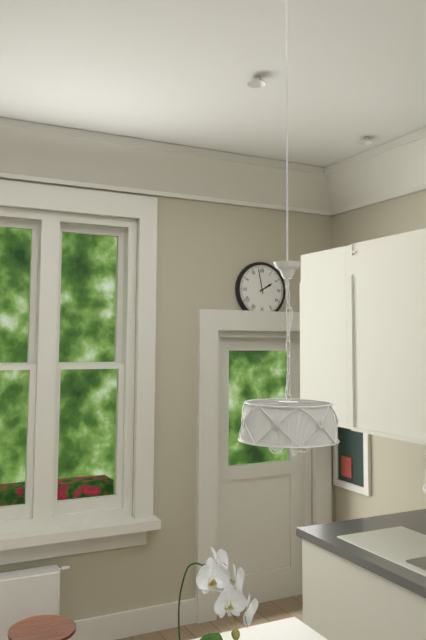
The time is 1:58
